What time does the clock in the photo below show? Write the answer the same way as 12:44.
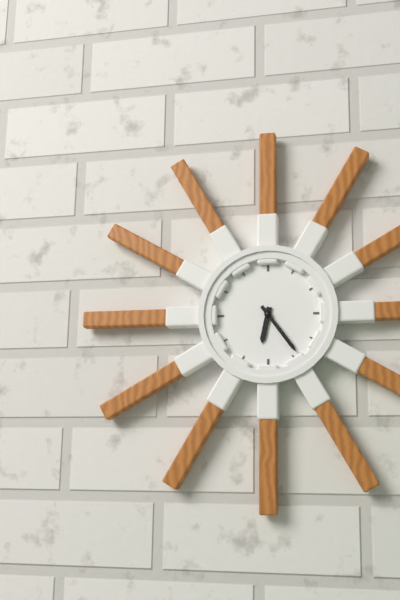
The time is 6:24
